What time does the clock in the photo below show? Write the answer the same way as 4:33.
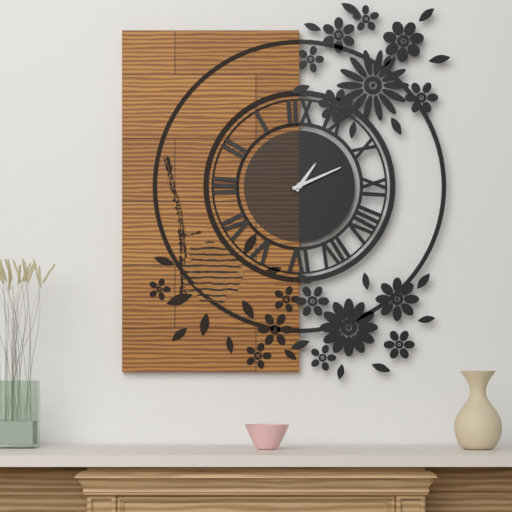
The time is 1:11
